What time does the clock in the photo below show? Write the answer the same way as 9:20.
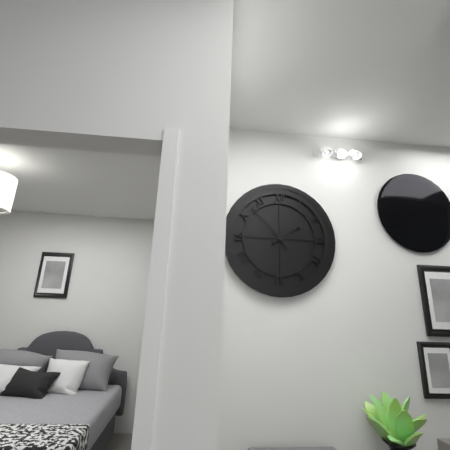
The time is 1:53
